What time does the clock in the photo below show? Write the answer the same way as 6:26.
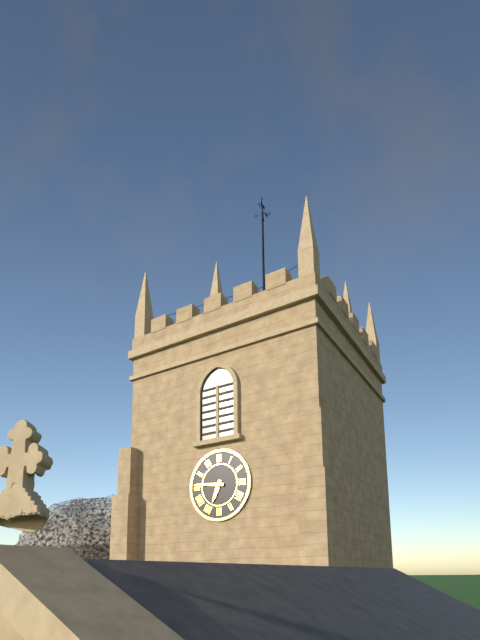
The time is 6:46
